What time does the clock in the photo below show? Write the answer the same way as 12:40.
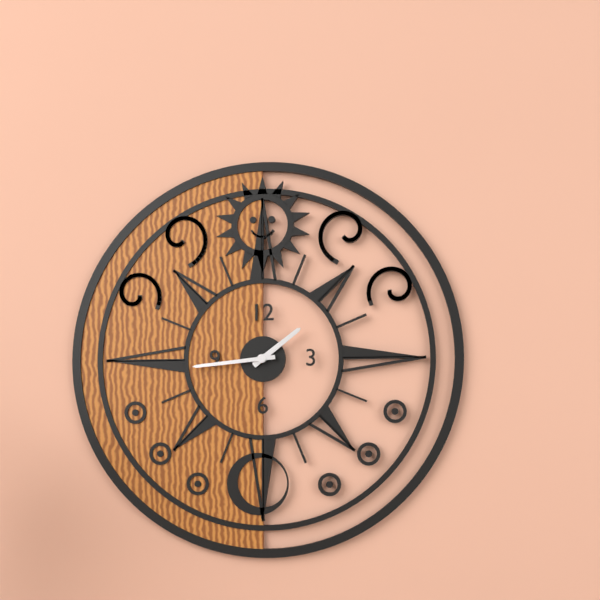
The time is 1:44
